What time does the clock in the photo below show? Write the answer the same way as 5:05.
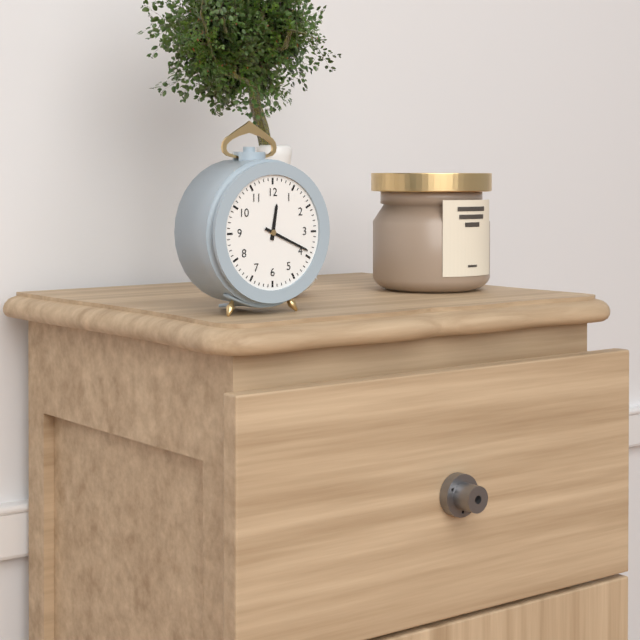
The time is 12:19
